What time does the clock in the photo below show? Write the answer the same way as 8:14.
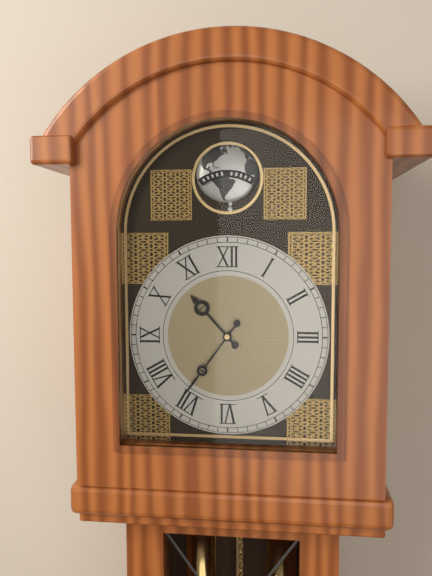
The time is 10:36
